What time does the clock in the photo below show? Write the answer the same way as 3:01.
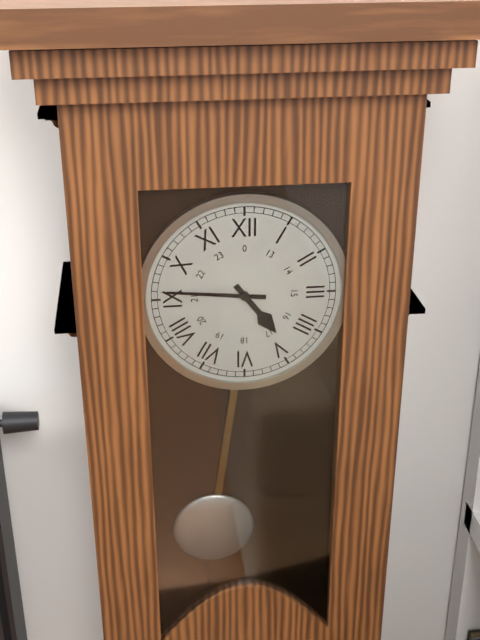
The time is 4:46
